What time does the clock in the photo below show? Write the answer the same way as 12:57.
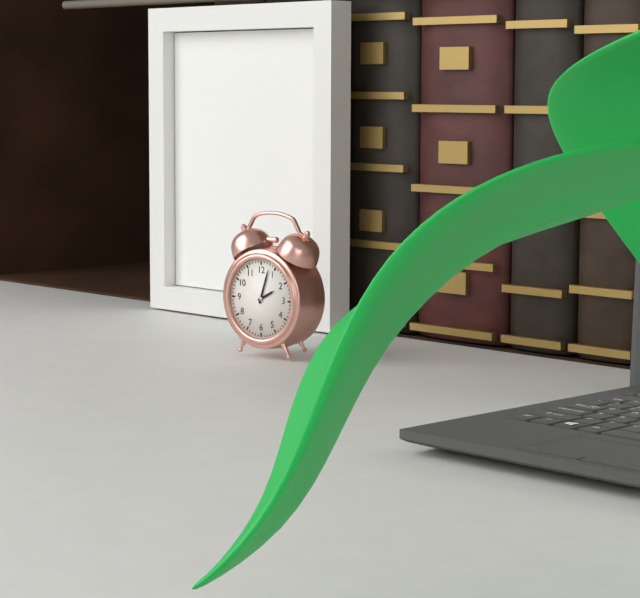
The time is 2:03
